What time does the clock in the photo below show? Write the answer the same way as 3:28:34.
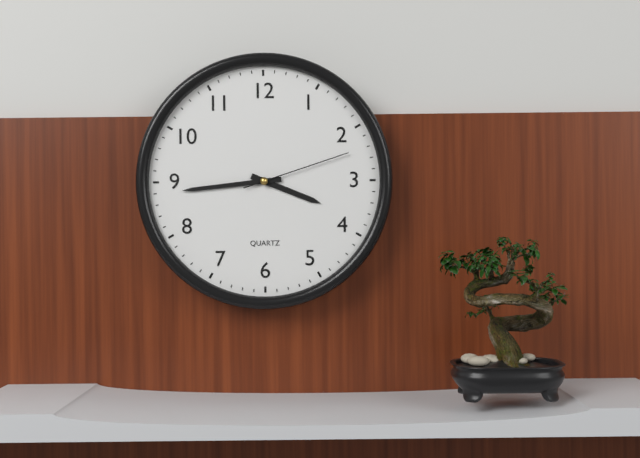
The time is 3:44:12
